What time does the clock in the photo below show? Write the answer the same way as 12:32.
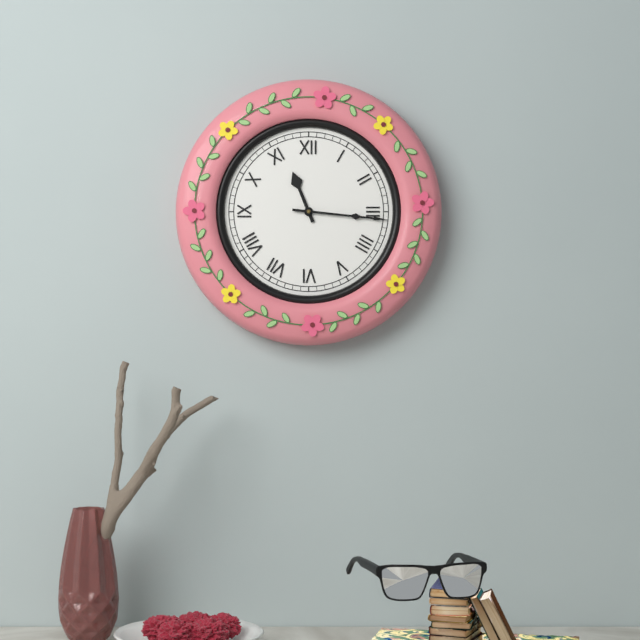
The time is 11:16
